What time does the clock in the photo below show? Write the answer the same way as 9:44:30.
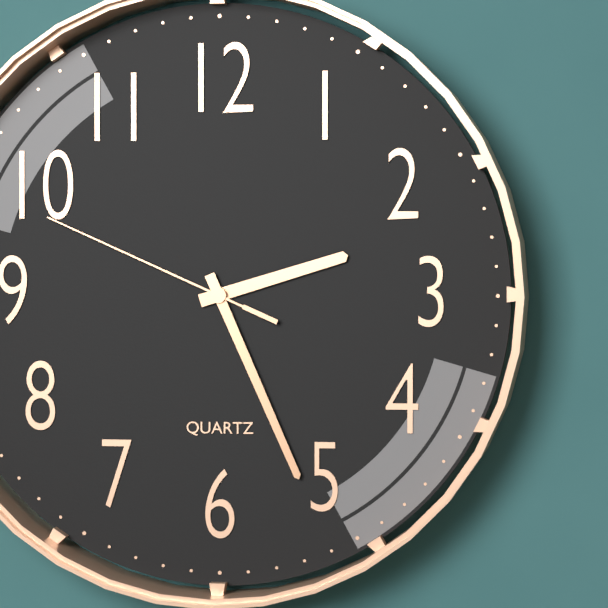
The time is 2:26:49
